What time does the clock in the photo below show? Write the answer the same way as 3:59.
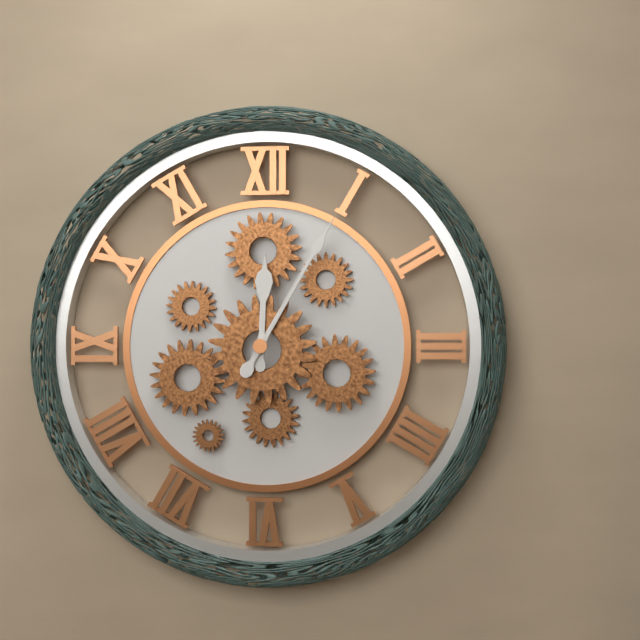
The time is 12:05
